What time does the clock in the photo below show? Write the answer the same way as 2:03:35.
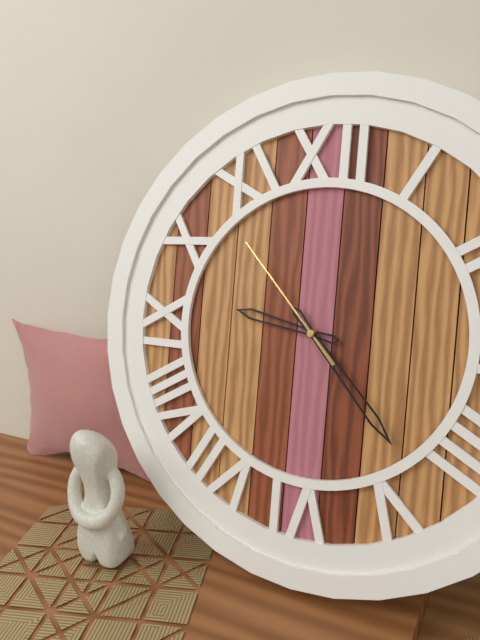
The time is 9:23:53
